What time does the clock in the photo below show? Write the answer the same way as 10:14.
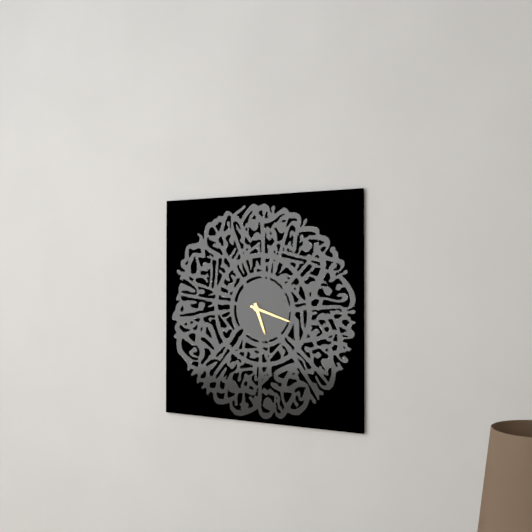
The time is 5:18
